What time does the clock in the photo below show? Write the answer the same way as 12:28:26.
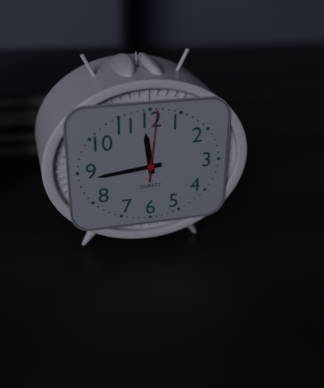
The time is 11:44:01
